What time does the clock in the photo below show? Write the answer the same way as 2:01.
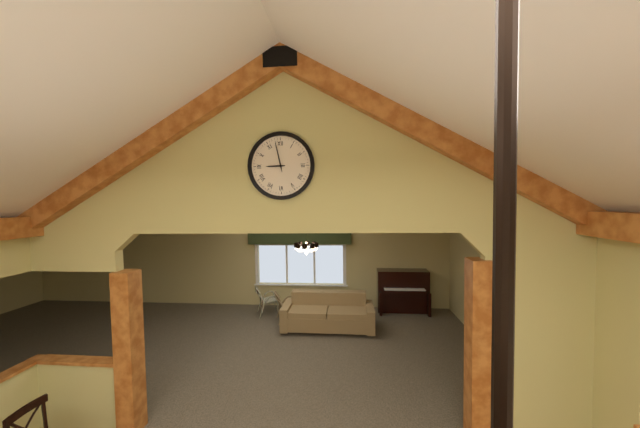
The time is 8:58
